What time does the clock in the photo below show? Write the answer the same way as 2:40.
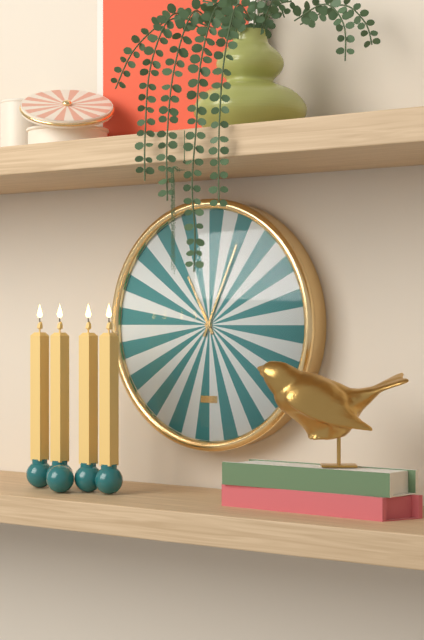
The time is 11:04
